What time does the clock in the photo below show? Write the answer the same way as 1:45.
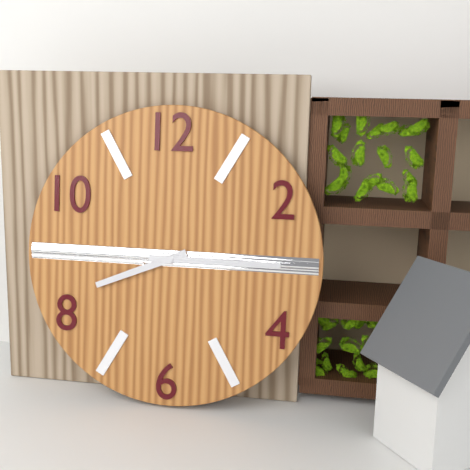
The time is 8:15
